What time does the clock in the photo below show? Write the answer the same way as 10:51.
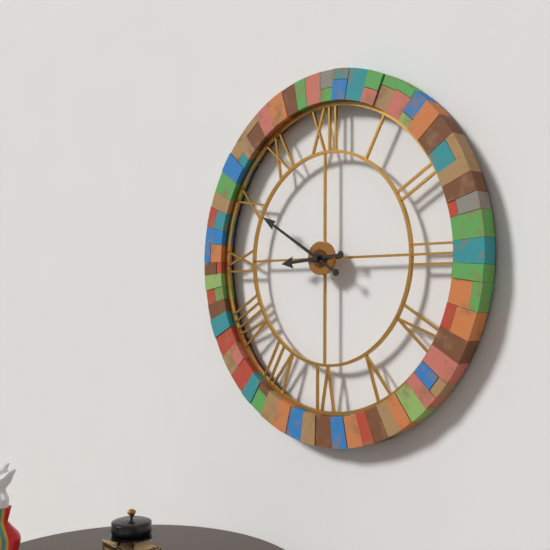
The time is 8:50
